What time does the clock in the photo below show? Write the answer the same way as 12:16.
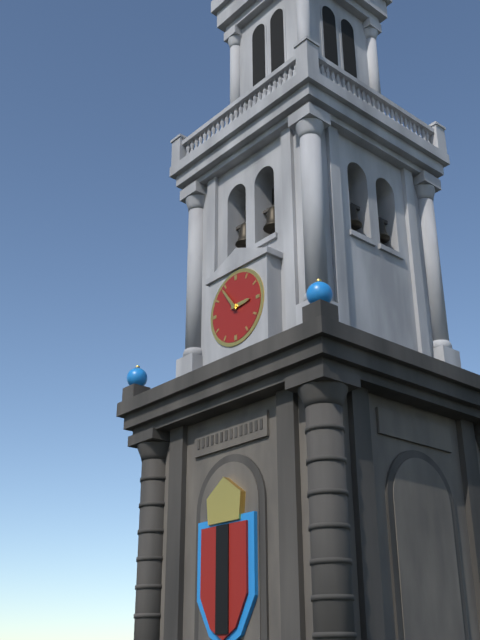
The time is 2:54
